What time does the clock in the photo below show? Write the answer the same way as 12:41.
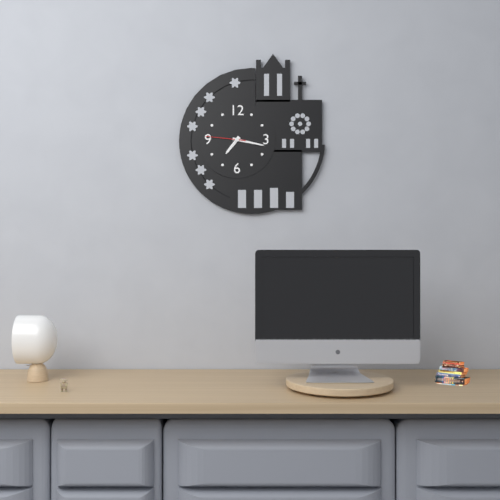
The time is 7:17
